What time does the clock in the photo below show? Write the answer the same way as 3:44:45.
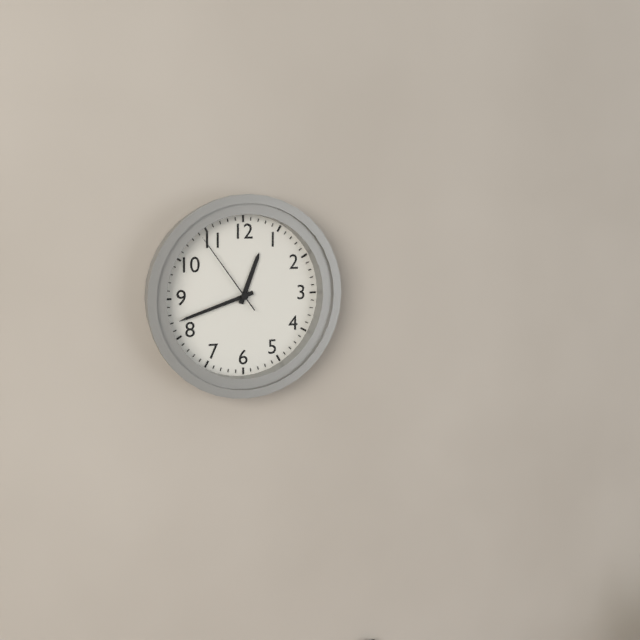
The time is 12:42:54
